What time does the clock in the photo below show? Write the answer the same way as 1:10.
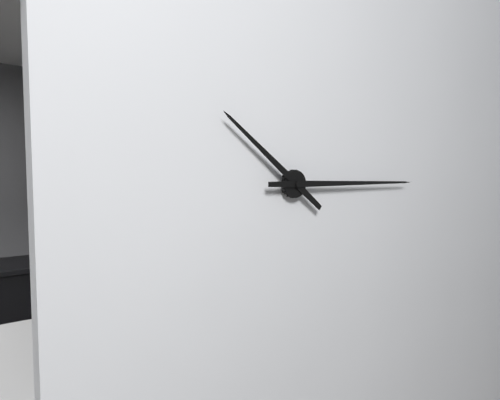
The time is 10:15
